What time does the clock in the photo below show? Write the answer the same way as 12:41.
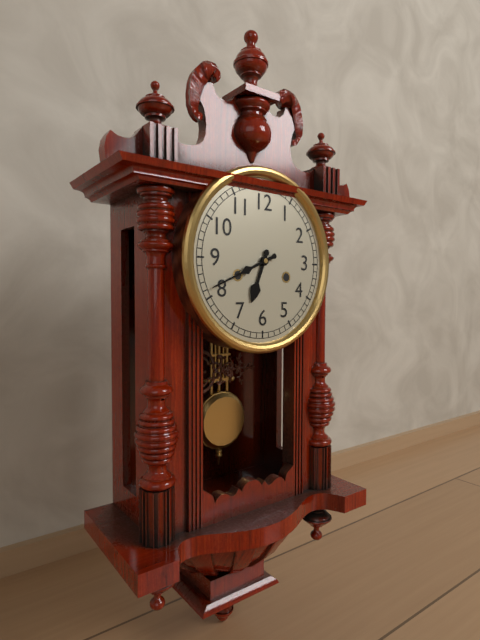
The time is 6:41
